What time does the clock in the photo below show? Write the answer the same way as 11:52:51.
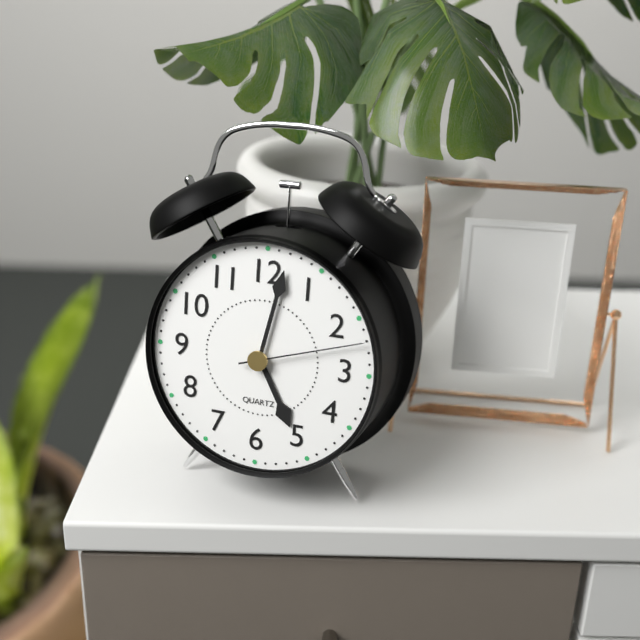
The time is 5:02:12
